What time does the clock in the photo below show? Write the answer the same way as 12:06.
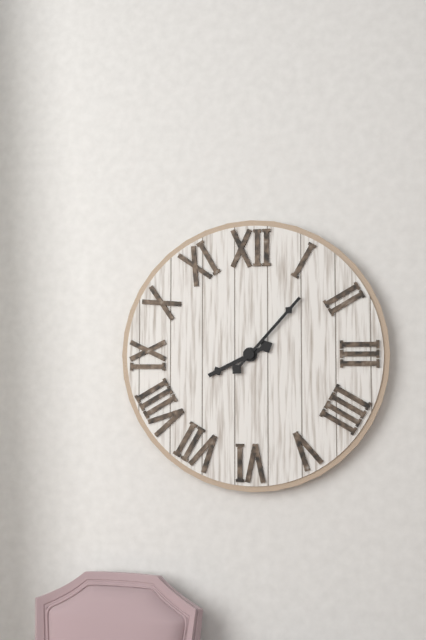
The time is 8:07
